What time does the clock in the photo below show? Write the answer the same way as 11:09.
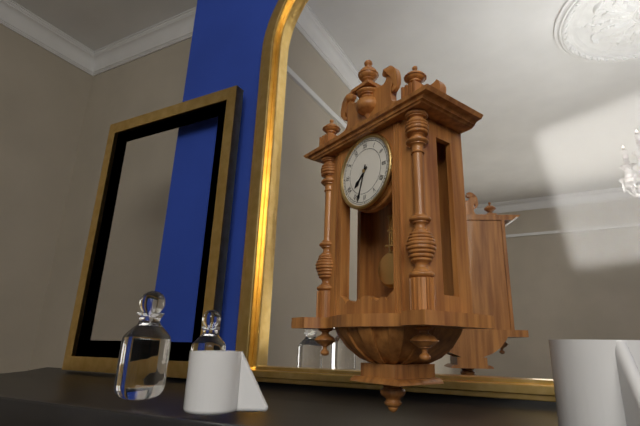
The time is 7:33
